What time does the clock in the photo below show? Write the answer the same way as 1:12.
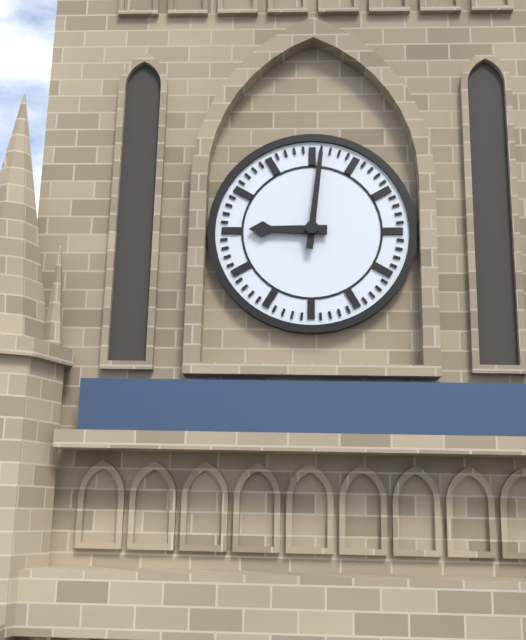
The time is 9:01
